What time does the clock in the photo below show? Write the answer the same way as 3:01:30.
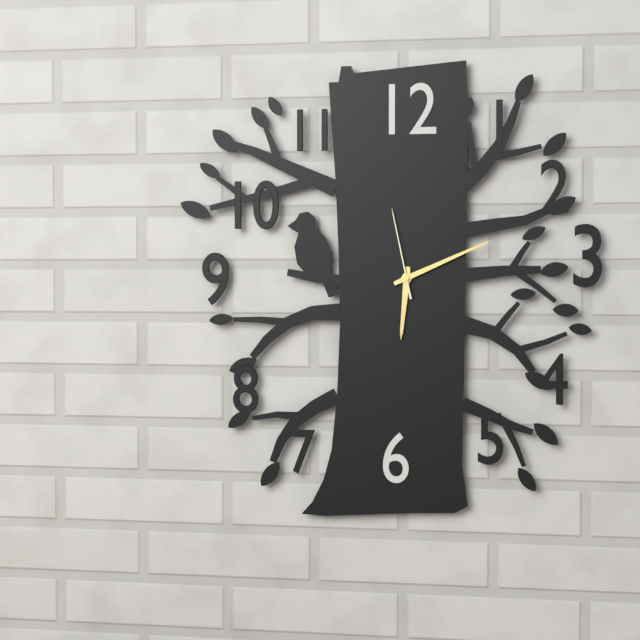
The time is 6:11:58
